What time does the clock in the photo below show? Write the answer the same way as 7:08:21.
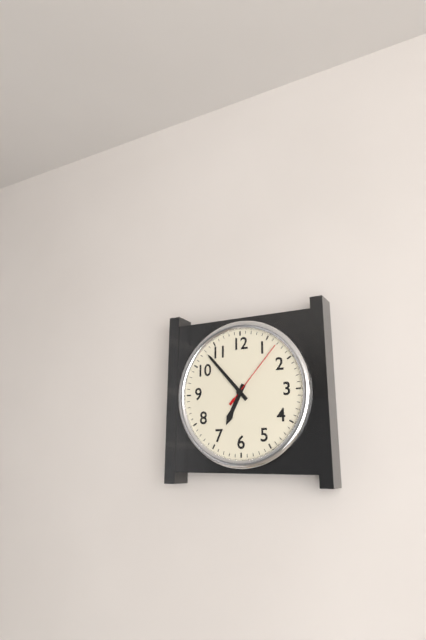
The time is 6:53:07
